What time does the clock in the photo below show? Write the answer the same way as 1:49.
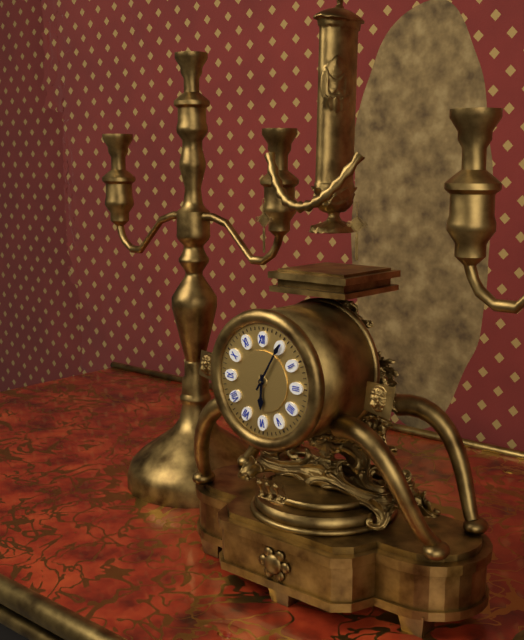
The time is 6:05
